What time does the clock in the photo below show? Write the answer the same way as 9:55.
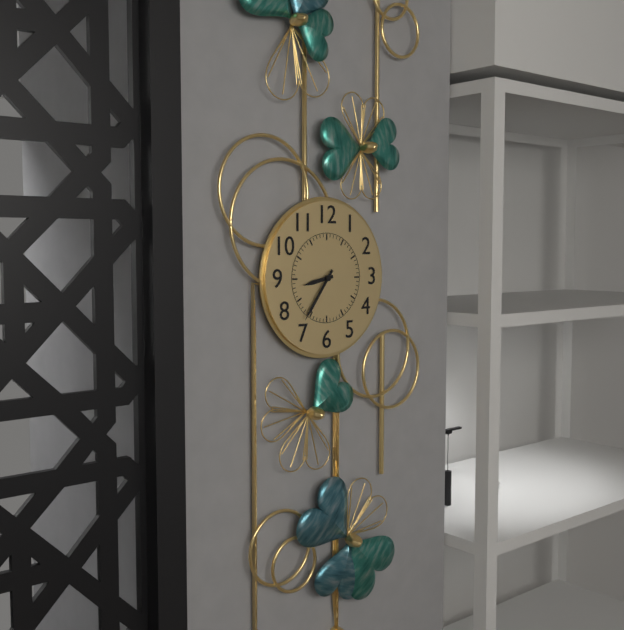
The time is 8:36
